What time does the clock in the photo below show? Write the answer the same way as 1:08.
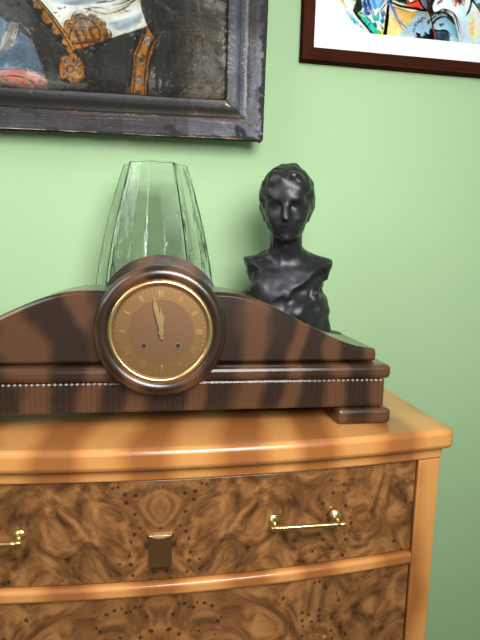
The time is 11:58
